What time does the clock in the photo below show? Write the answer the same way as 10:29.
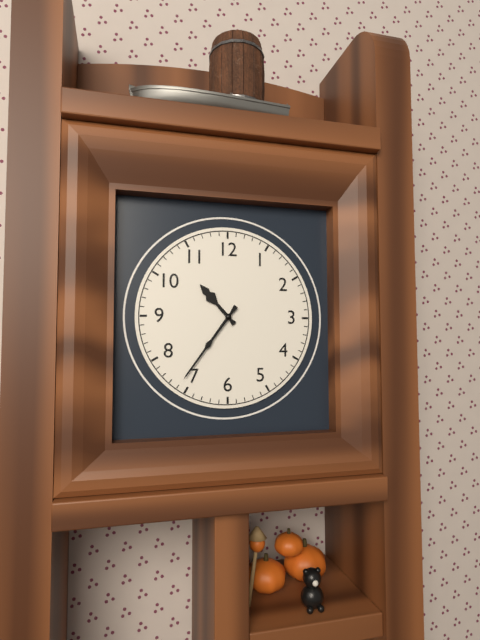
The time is 10:36
